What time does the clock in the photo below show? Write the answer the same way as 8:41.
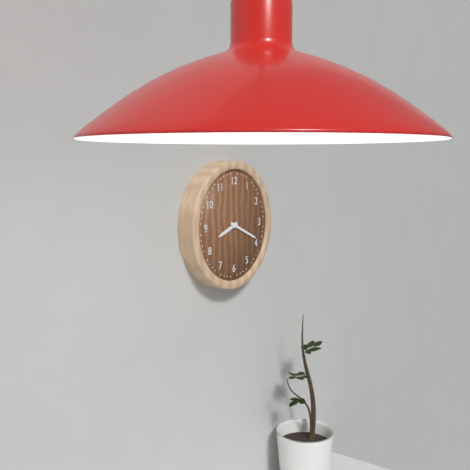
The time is 8:19
